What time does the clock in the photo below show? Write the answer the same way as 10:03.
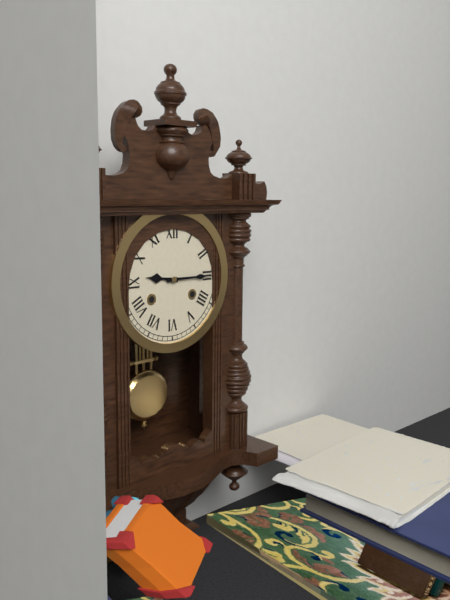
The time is 9:15
